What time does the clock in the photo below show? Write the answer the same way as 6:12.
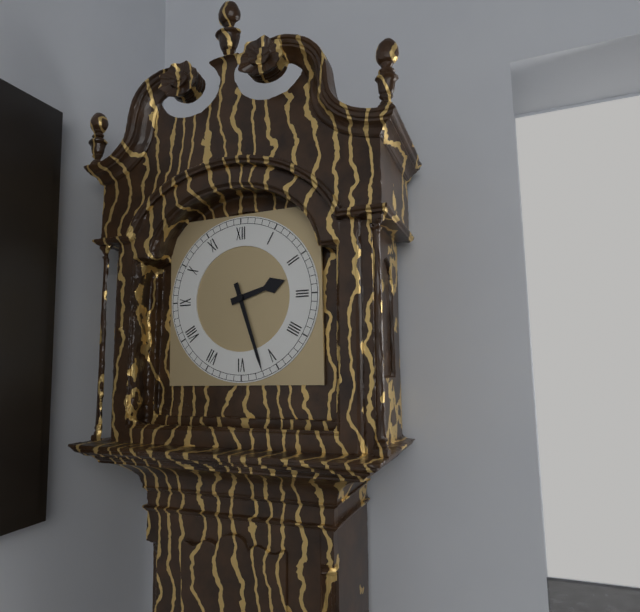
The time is 2:27
